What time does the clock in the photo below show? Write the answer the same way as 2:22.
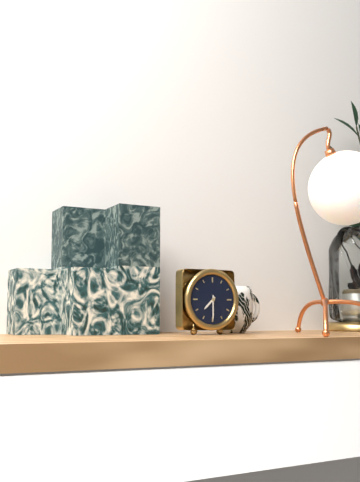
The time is 7:30
